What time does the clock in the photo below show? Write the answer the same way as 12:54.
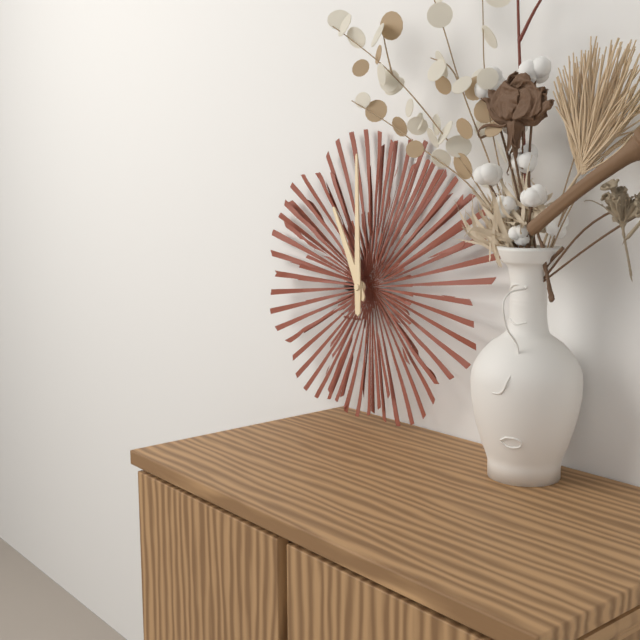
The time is 10:59
